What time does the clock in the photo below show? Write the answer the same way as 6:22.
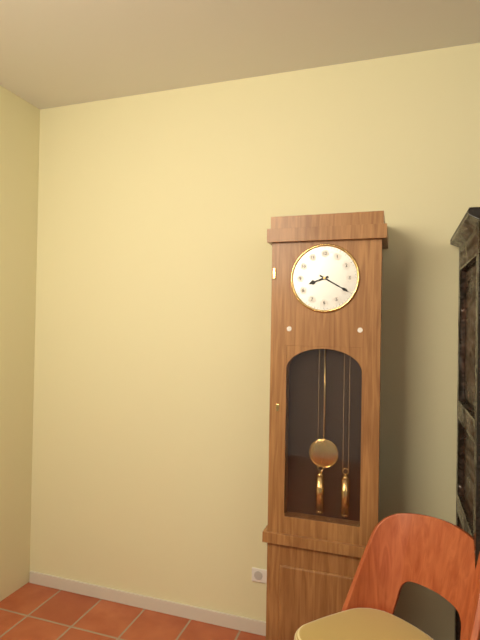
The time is 8:20
